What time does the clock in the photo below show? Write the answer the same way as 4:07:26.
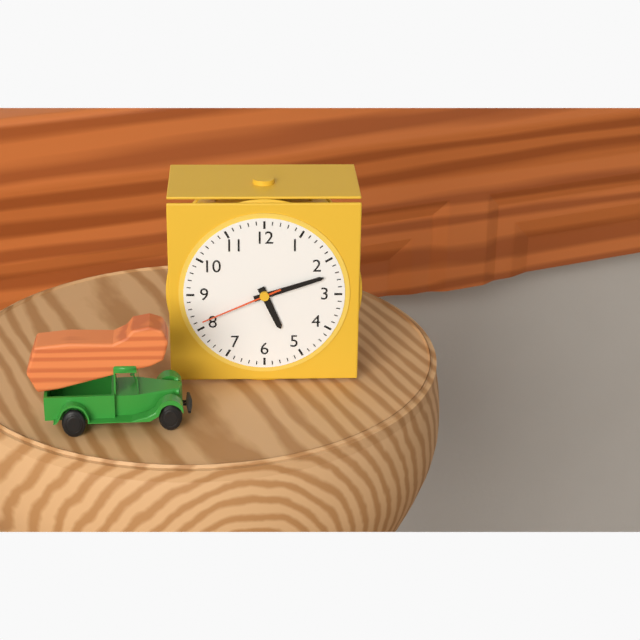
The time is 5:12:41
